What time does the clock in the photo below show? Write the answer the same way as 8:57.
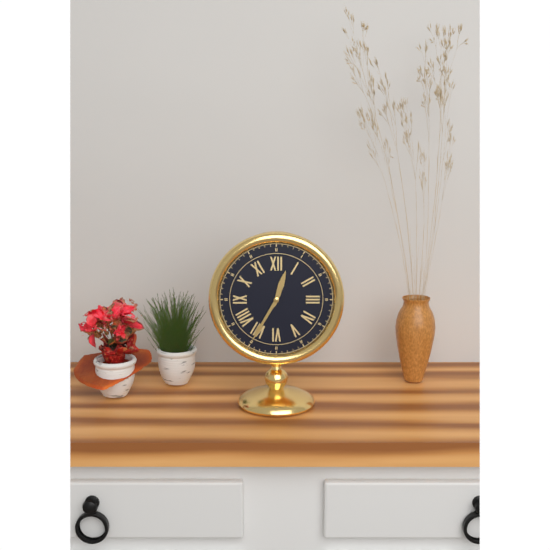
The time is 12:35
